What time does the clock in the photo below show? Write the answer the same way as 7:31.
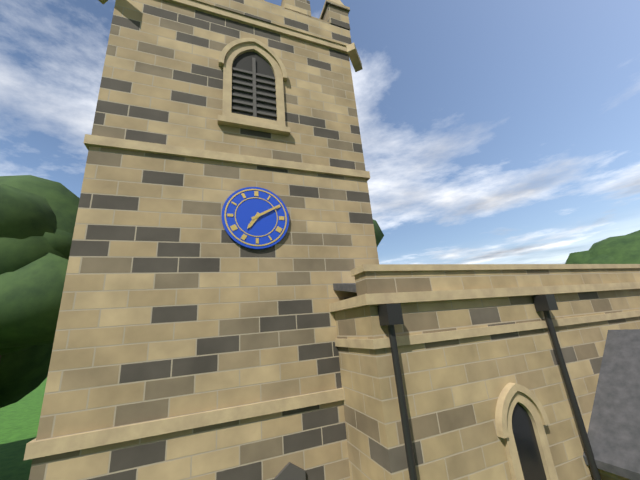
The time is 7:10
